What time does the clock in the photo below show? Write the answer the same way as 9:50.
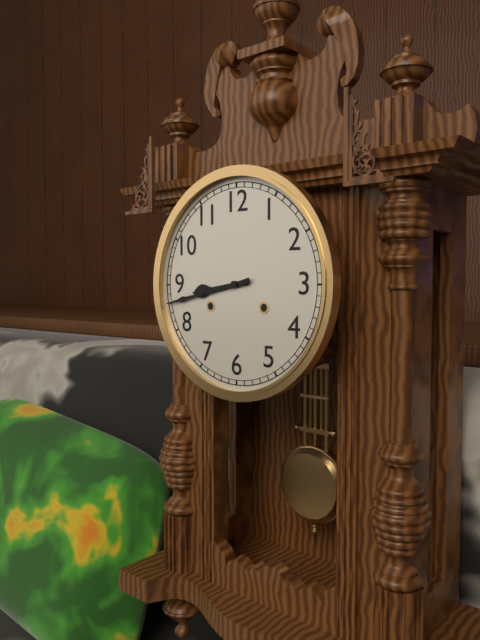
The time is 8:43
